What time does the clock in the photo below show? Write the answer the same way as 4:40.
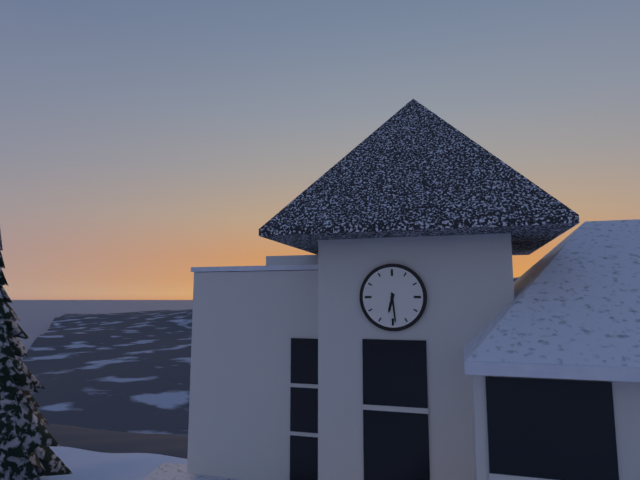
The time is 6:29
